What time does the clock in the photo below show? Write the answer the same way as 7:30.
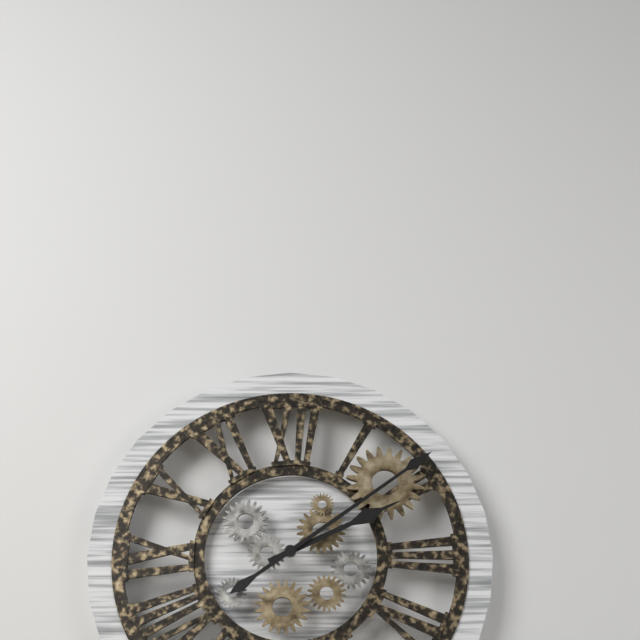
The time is 2:09
